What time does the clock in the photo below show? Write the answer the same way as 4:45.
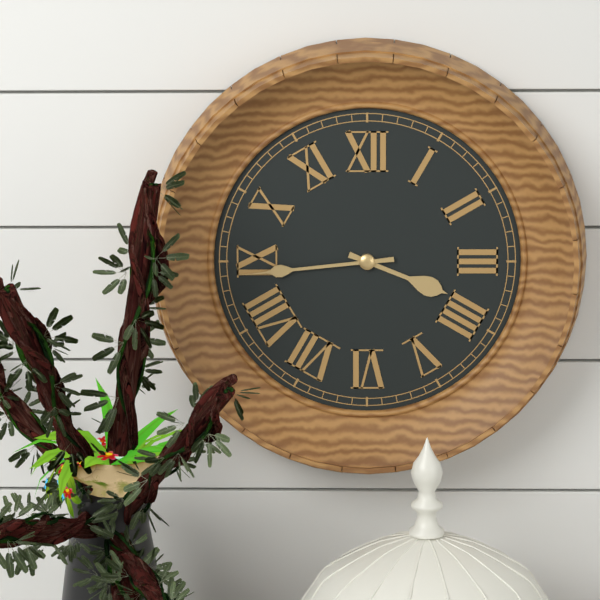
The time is 3:44
